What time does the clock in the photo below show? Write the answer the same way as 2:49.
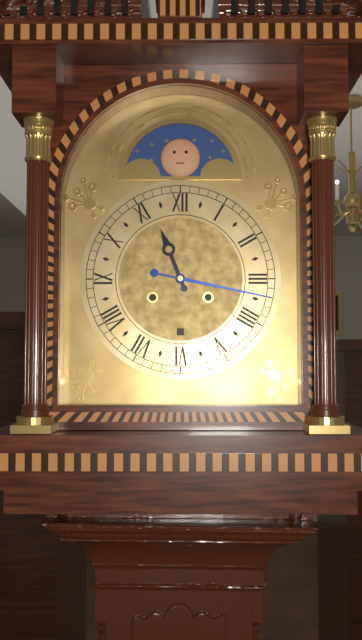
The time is 11:17
